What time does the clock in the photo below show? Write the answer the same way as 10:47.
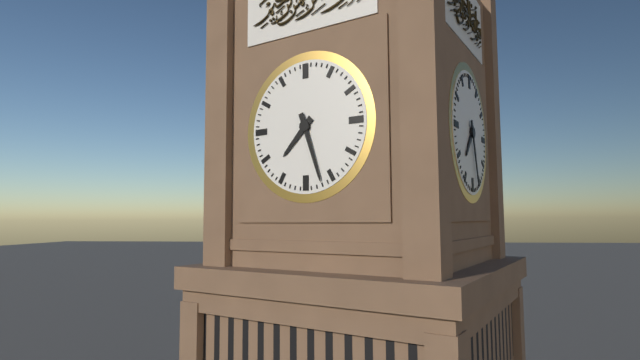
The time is 7:27
